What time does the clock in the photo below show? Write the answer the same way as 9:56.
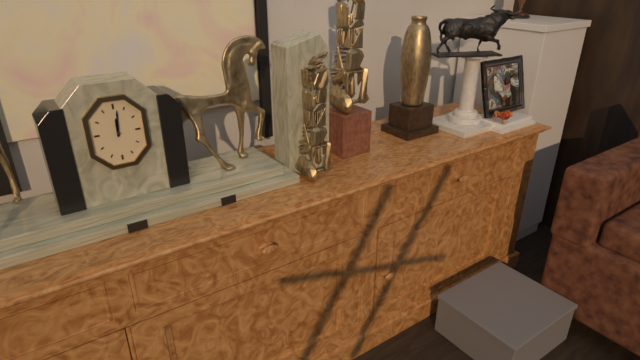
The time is 12:01
